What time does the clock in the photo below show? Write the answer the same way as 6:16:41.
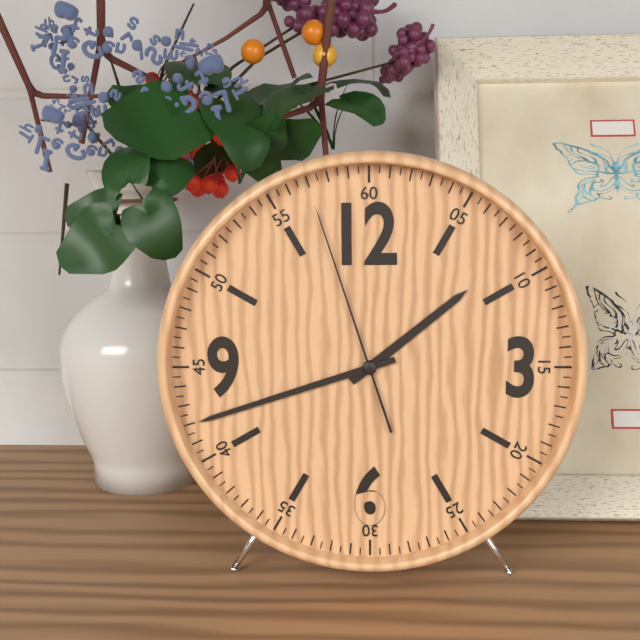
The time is 1:42:57
